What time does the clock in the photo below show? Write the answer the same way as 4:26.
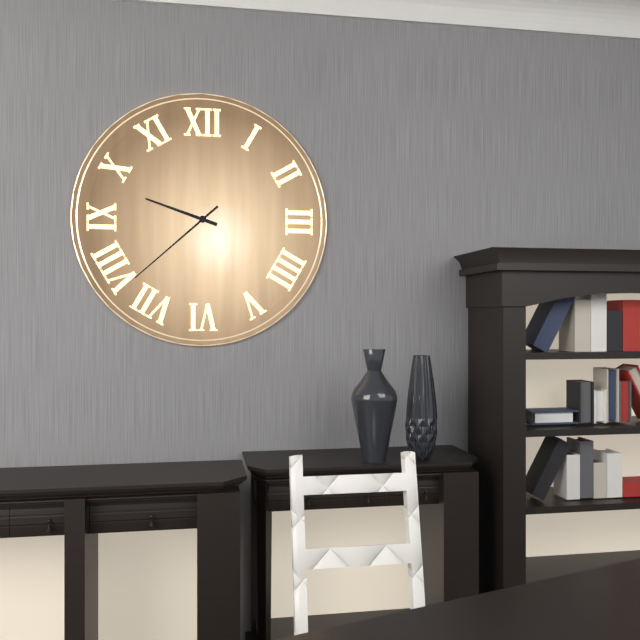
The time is 9:38
